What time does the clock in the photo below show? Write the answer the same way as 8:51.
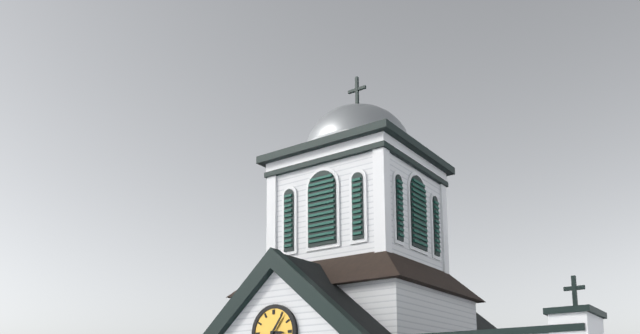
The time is 3:06
